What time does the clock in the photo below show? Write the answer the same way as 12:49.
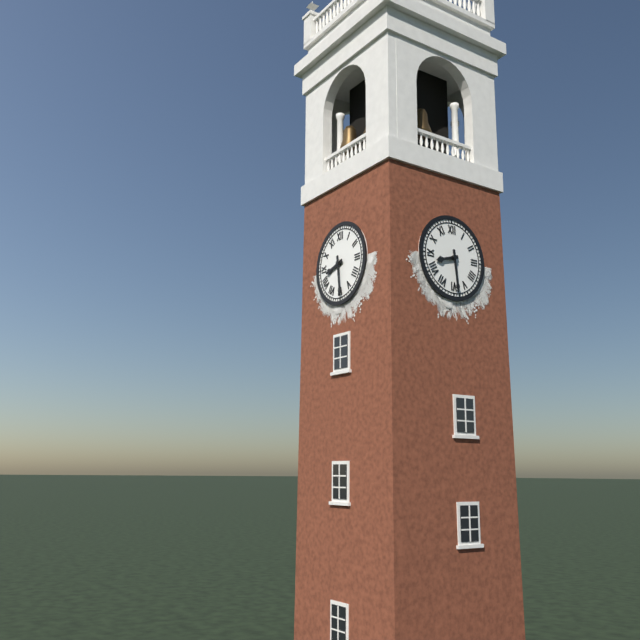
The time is 8:29
